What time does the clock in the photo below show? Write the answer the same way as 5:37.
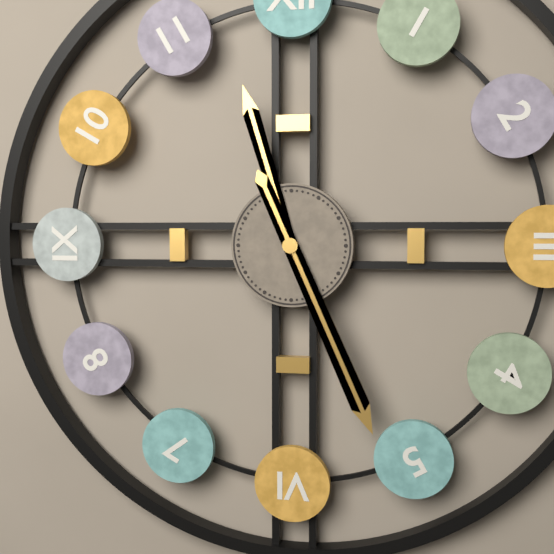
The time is 11:26
